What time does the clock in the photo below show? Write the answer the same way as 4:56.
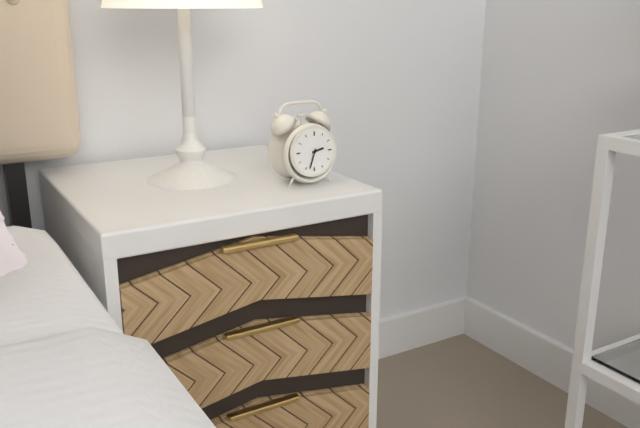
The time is 2:33
